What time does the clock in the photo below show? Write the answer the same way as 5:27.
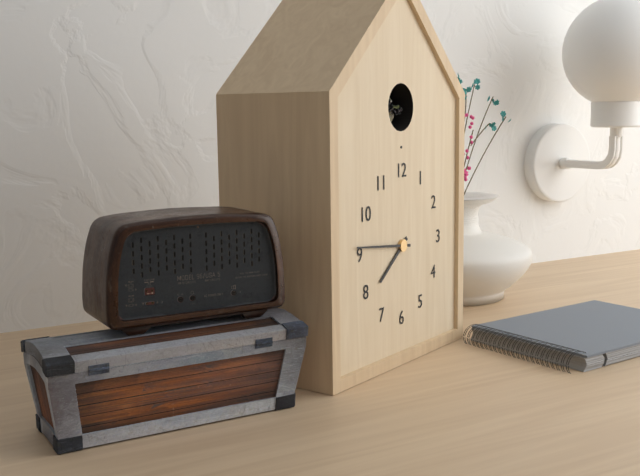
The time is 7:46
